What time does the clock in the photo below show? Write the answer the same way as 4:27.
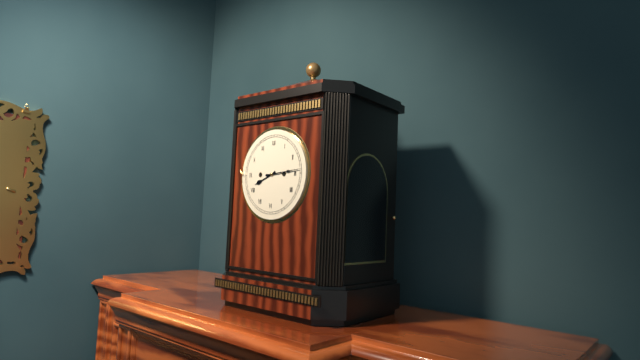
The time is 8:14
